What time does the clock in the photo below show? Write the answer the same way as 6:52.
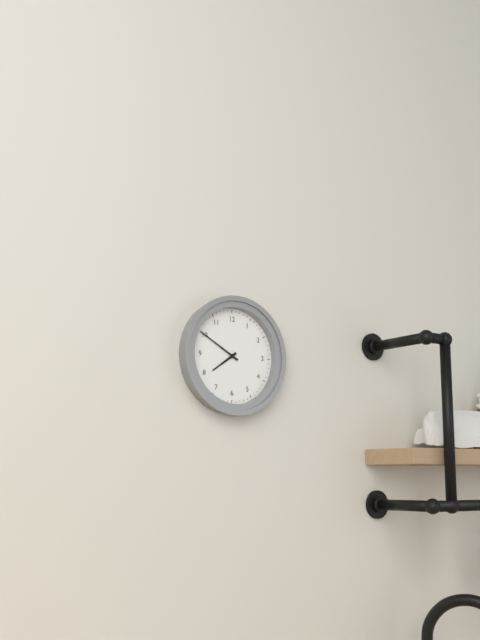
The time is 7:50
